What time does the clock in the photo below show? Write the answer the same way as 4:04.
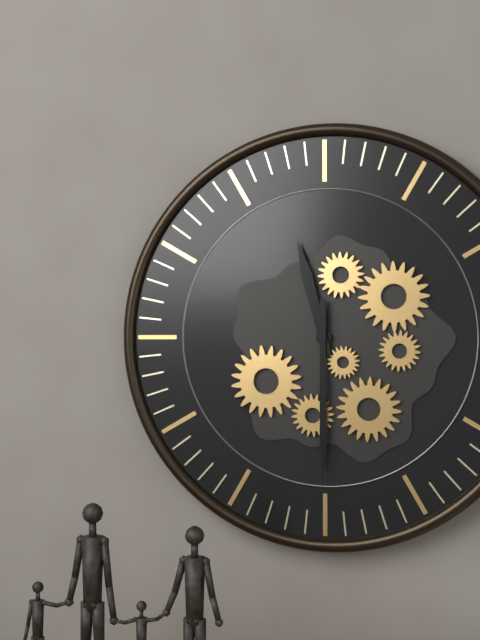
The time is 11:30
